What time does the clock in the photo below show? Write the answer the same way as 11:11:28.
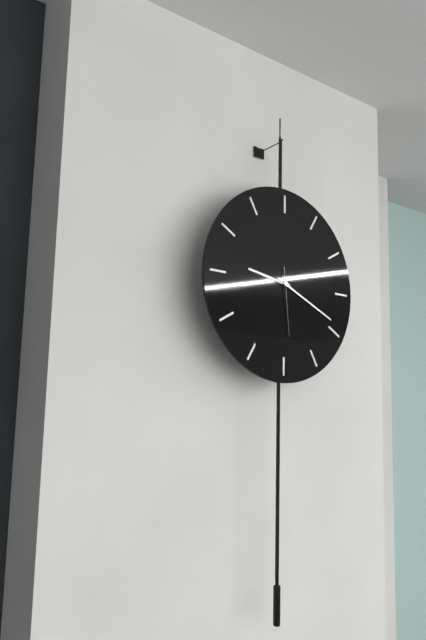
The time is 9:19:29
